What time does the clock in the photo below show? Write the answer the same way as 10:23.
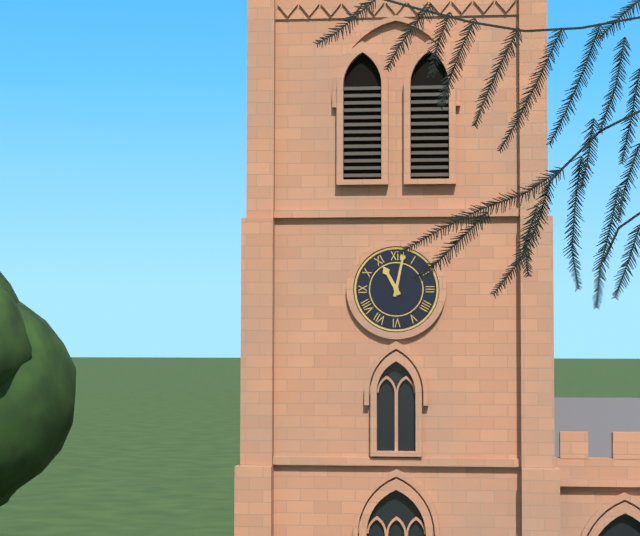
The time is 11:02
